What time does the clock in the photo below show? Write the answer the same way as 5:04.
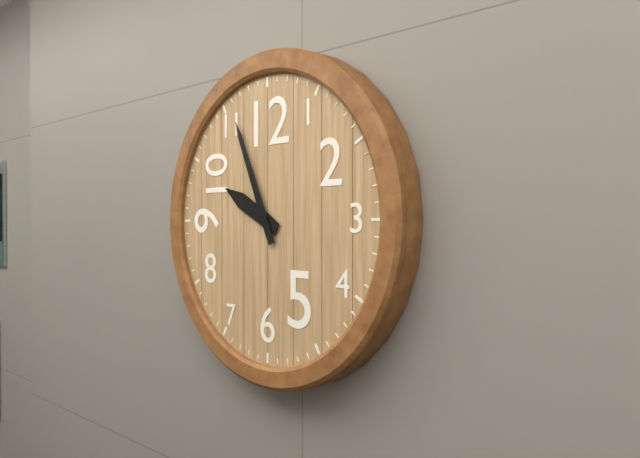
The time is 9:56
